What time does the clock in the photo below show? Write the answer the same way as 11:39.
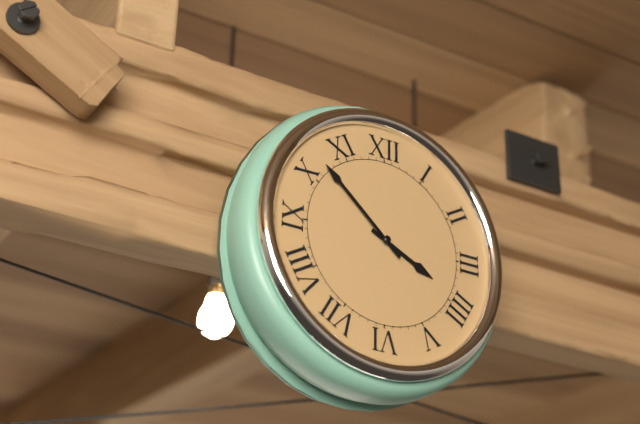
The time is 3:52
